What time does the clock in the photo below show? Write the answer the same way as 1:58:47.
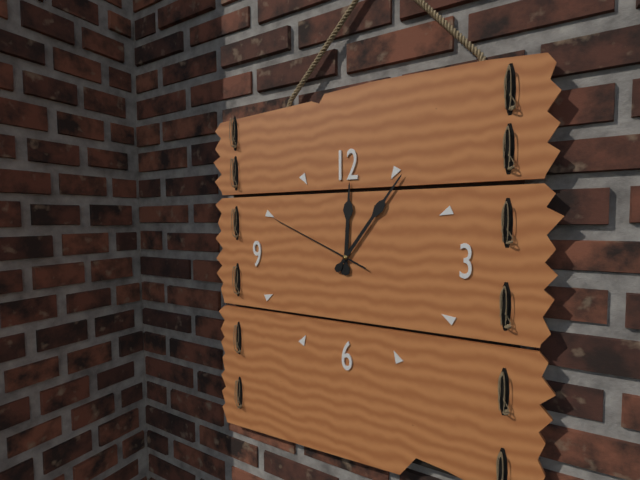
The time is 12:06:49
